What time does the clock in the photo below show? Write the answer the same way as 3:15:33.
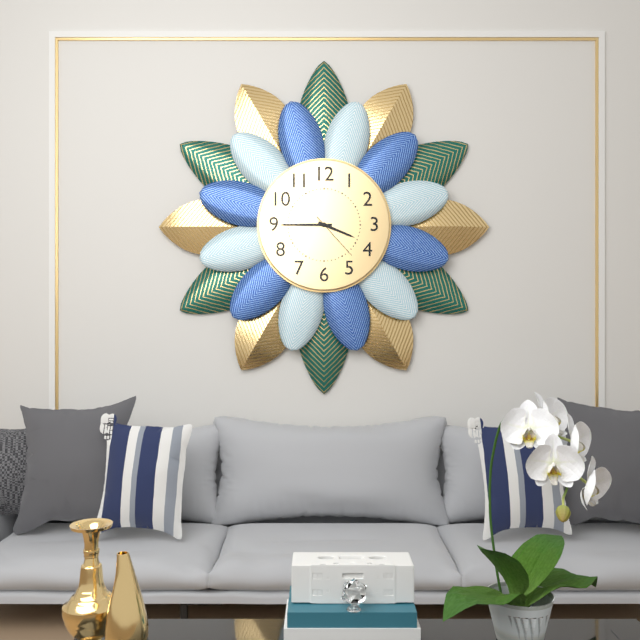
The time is 3:45:23
